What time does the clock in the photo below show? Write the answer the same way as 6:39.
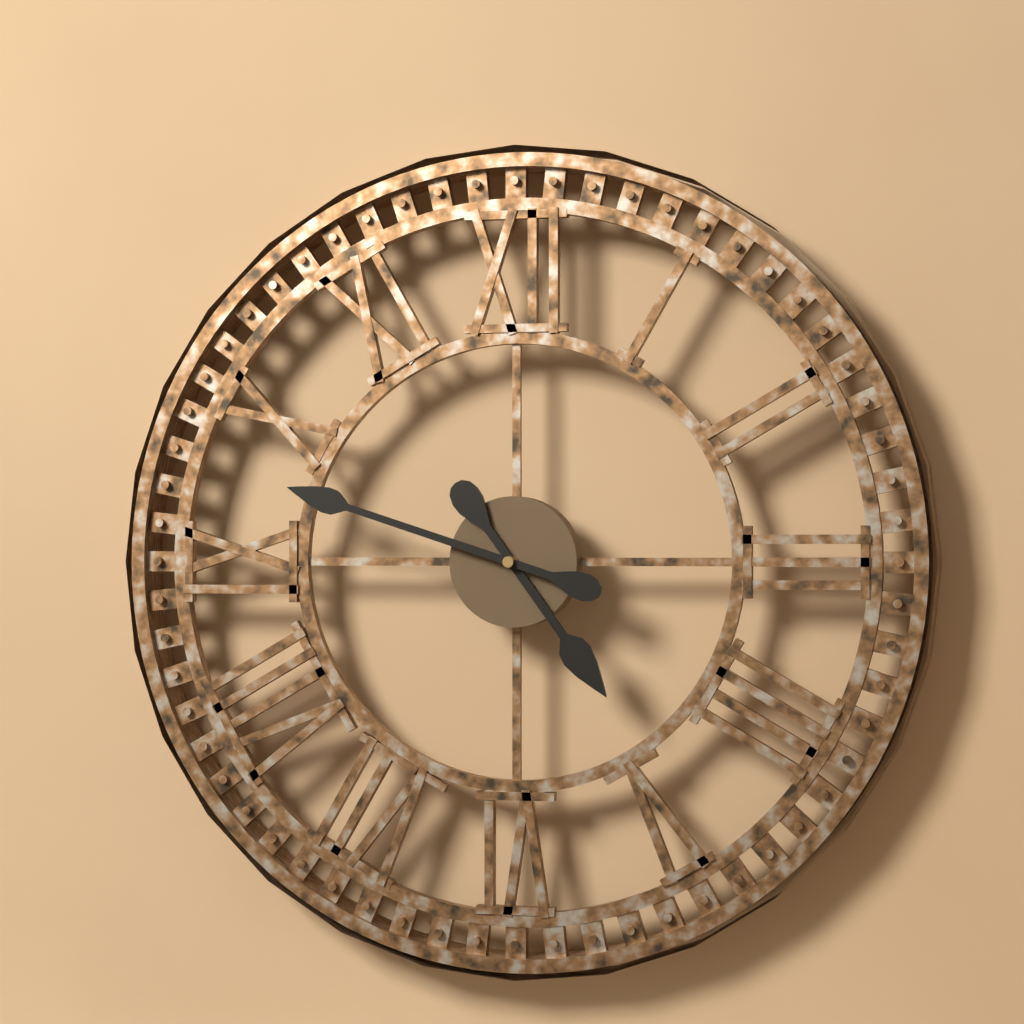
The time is 4:48
